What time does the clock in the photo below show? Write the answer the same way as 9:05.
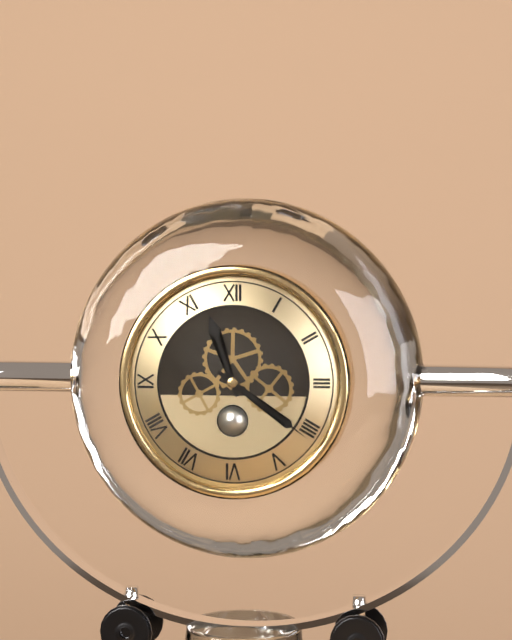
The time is 11:21
